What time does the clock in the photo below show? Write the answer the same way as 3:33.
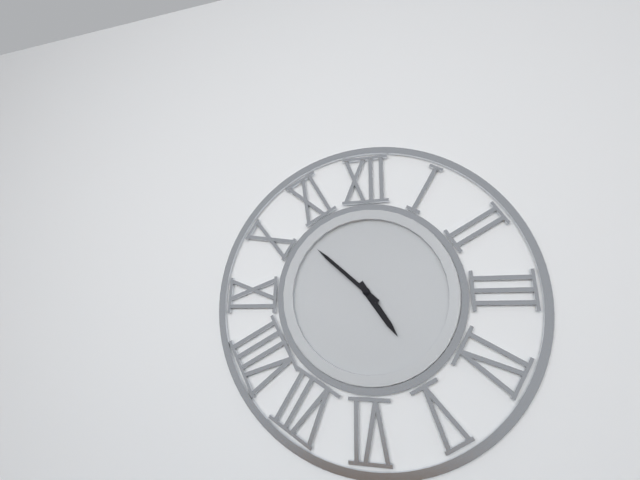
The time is 4:52
